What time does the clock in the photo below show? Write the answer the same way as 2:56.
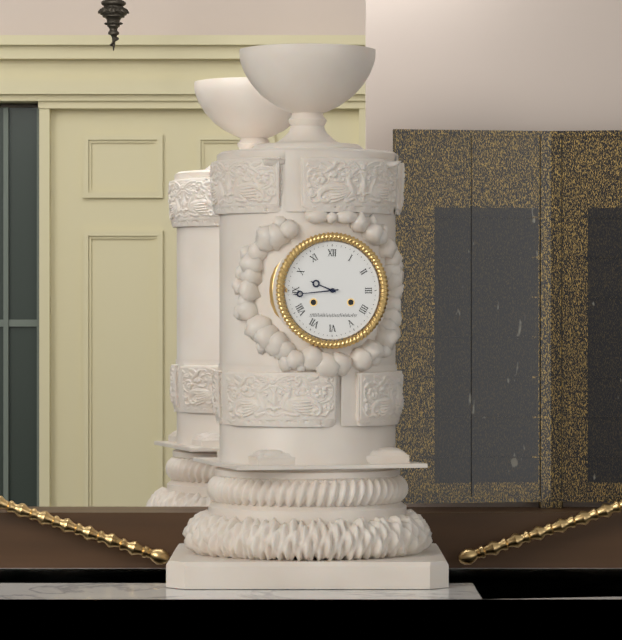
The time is 9:44
